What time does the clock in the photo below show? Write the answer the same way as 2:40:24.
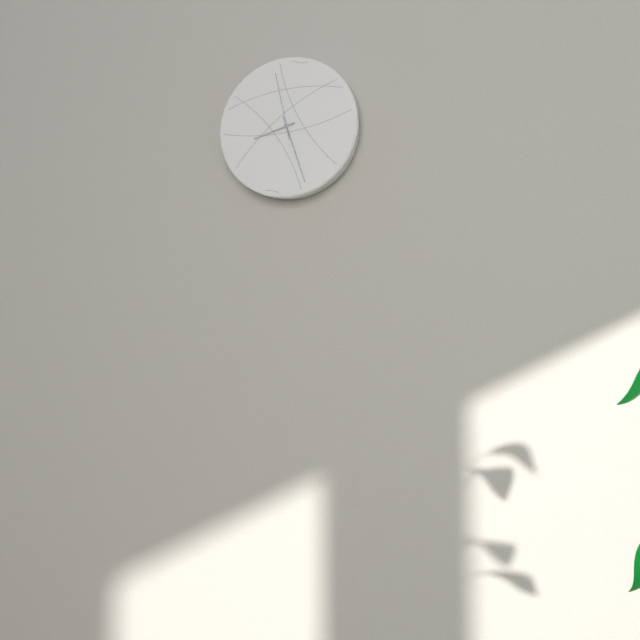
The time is 8:27:58
